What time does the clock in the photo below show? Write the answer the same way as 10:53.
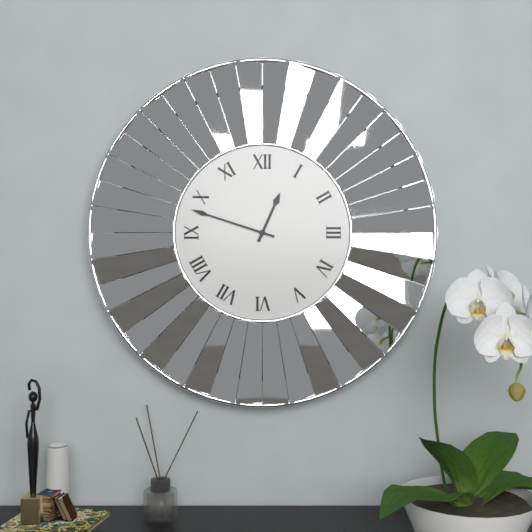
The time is 12:48
